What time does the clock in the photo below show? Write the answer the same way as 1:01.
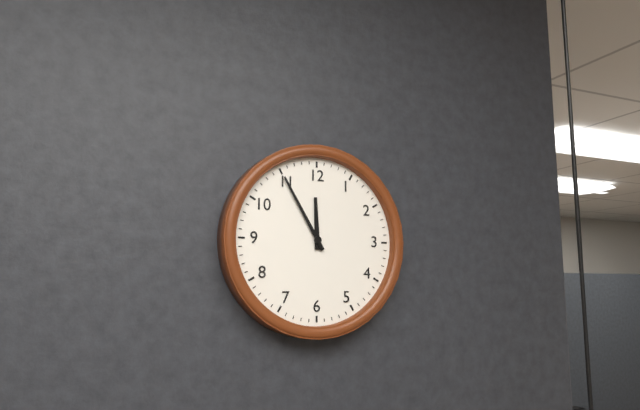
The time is 11:55
